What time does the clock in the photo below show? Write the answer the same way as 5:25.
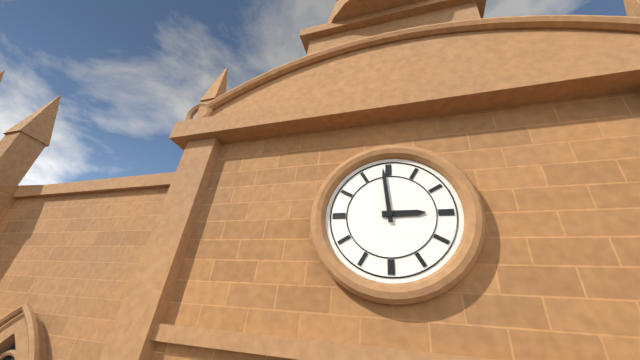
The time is 2:59
